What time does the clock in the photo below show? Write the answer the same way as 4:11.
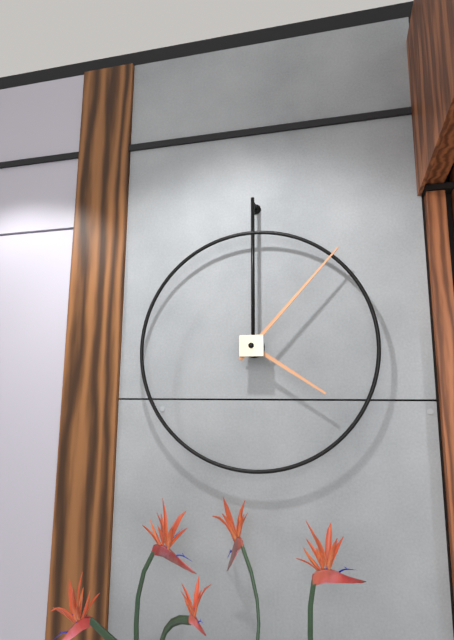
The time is 4:07
